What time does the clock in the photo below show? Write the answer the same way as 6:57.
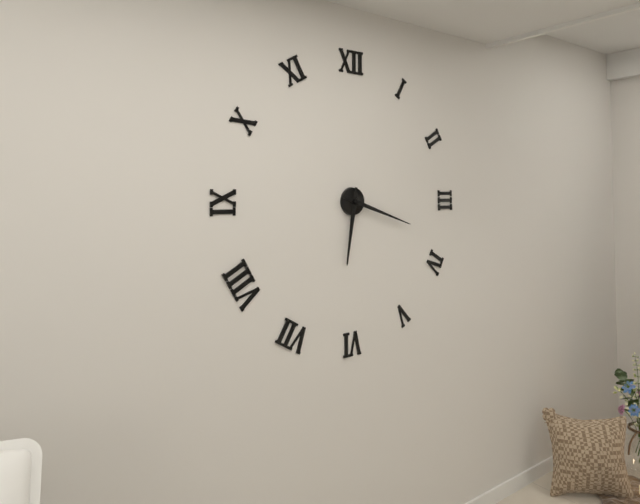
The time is 6:18
